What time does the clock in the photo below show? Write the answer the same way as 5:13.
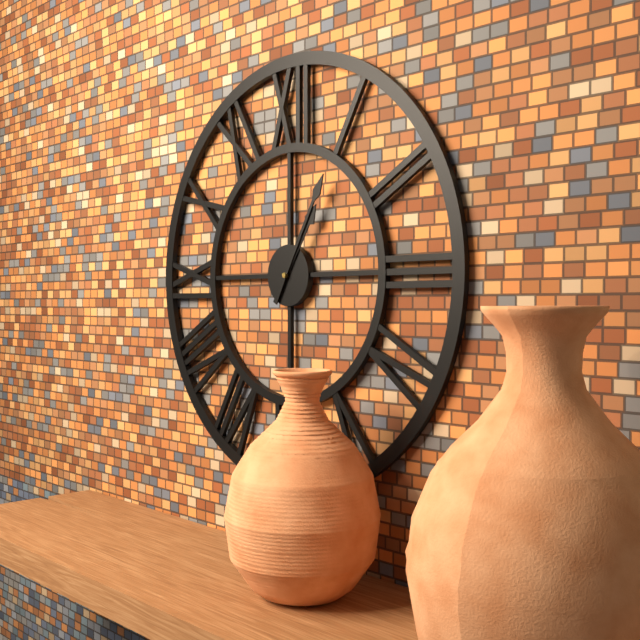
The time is 1:05
